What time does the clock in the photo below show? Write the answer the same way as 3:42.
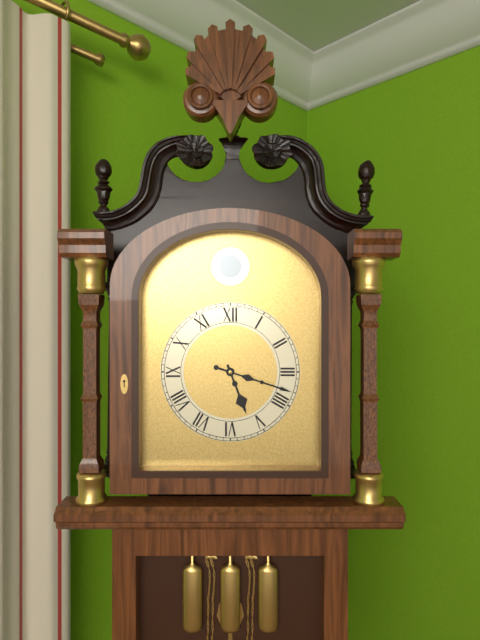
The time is 5:18
